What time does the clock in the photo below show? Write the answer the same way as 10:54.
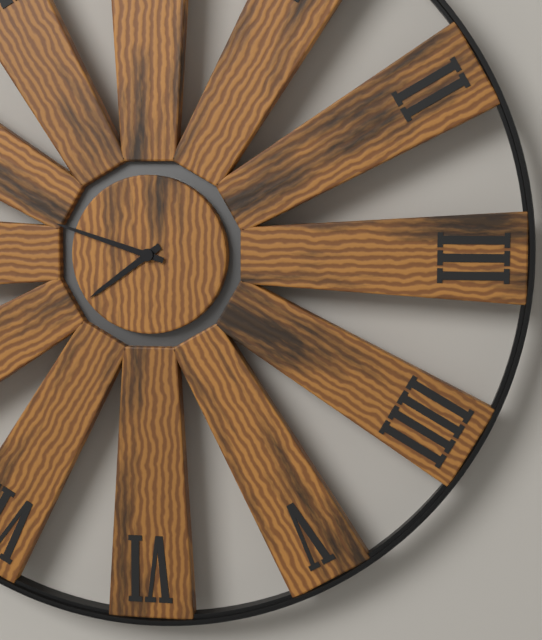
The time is 7:48
